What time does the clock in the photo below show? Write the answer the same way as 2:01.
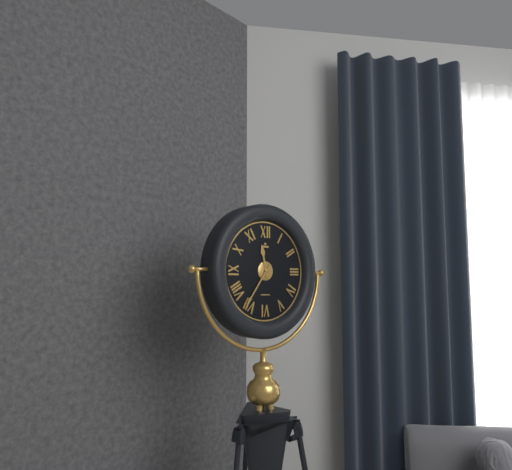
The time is 11:36
